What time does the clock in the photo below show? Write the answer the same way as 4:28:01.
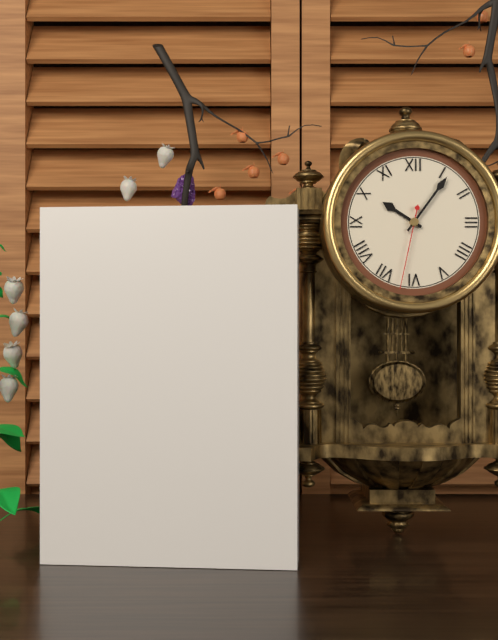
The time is 10:06:32
